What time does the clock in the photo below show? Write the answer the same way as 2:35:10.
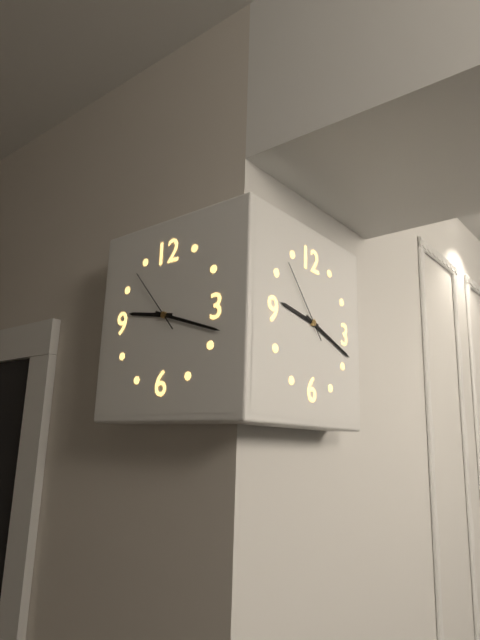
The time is 9:18:53
